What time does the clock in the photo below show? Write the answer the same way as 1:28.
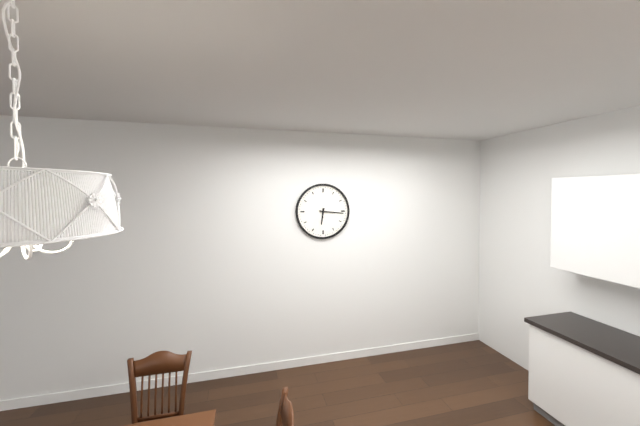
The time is 6:16
